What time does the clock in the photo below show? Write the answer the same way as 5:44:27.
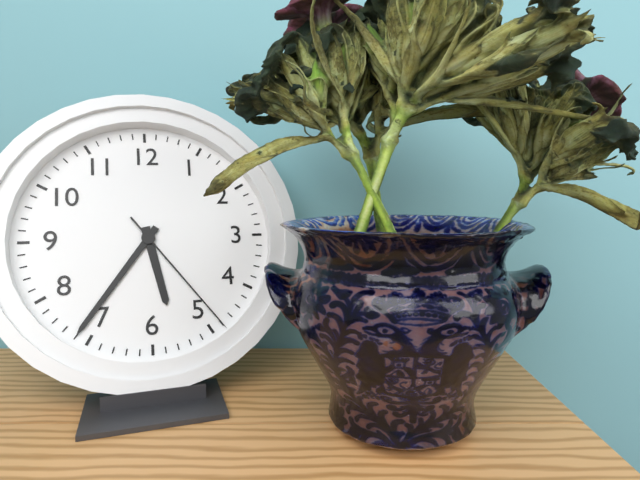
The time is 5:36:24
